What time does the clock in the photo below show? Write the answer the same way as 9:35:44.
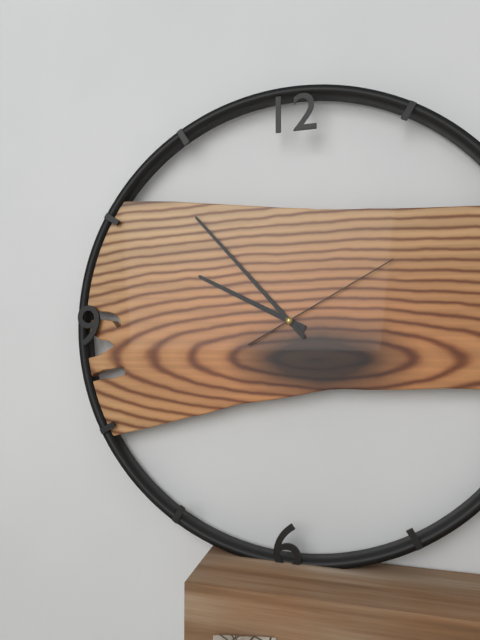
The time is 9:53:10
